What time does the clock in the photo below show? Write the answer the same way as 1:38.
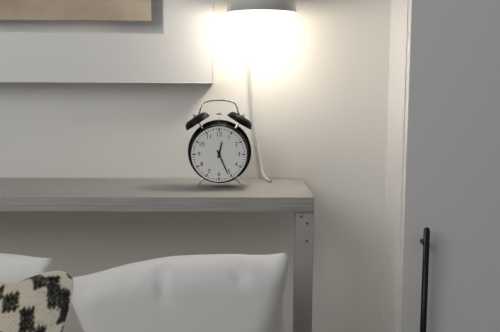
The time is 12:26
